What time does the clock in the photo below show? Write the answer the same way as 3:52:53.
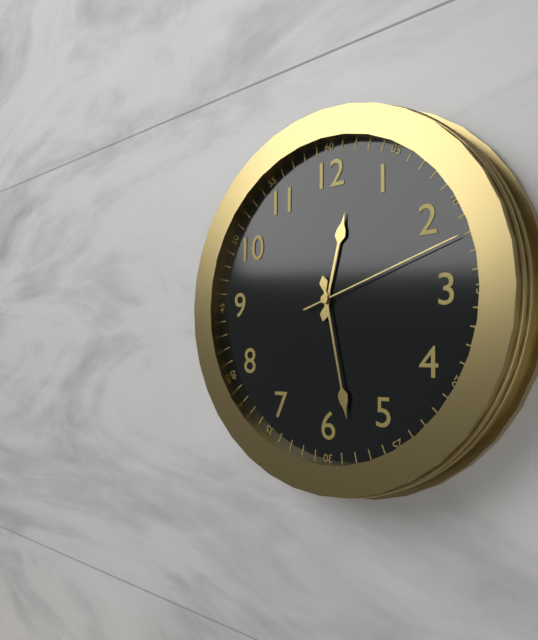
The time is 12:28:12
